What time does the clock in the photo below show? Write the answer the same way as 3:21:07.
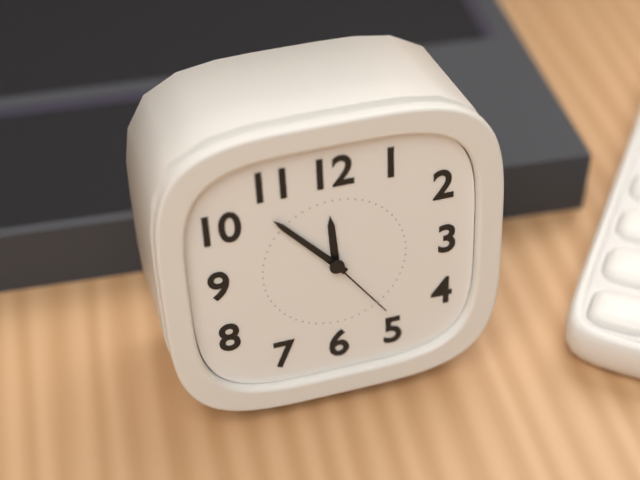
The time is 11:53:24
